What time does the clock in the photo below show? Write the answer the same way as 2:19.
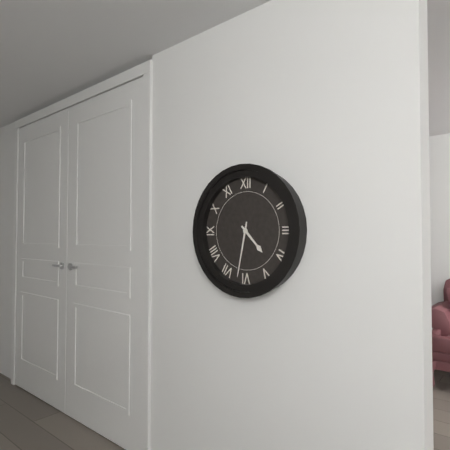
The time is 4:32
